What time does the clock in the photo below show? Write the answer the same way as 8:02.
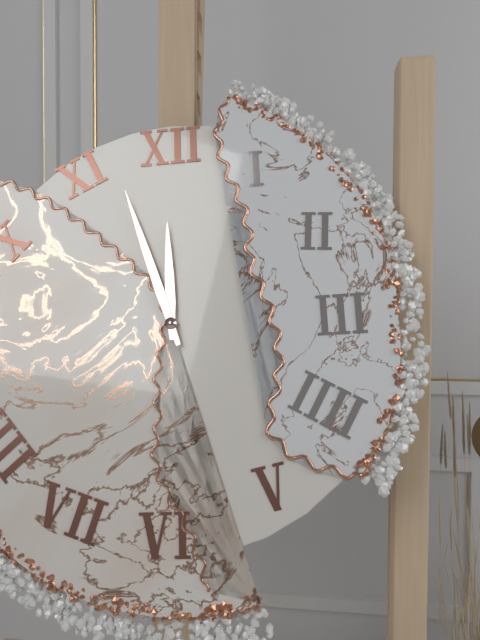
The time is 11:57
